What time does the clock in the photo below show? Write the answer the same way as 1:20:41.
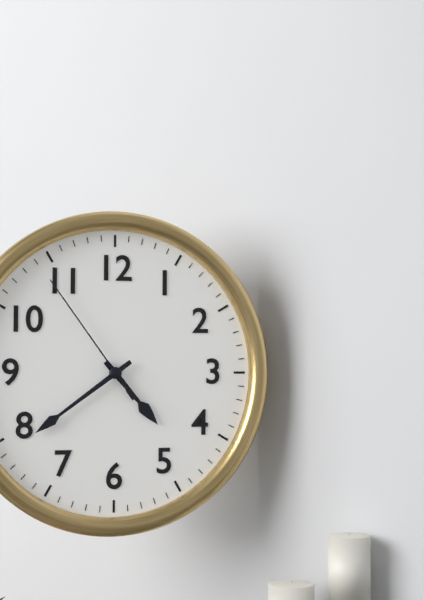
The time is 4:39:54
